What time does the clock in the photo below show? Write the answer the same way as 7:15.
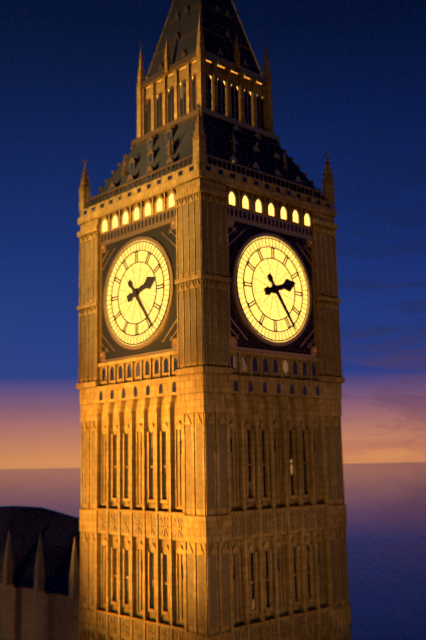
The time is 2:24
